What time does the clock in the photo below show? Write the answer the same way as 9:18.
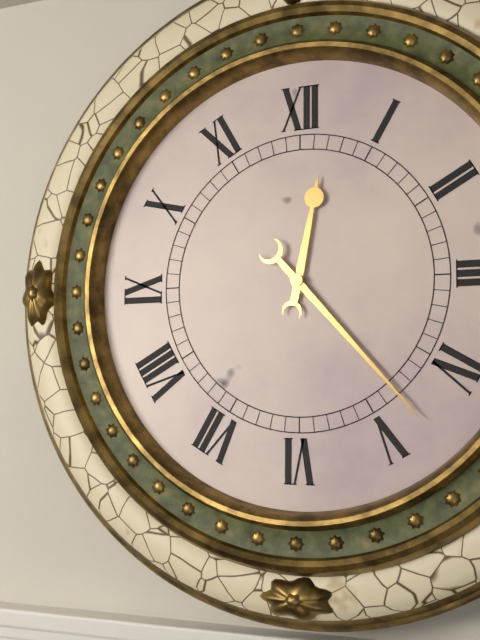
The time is 12:23
